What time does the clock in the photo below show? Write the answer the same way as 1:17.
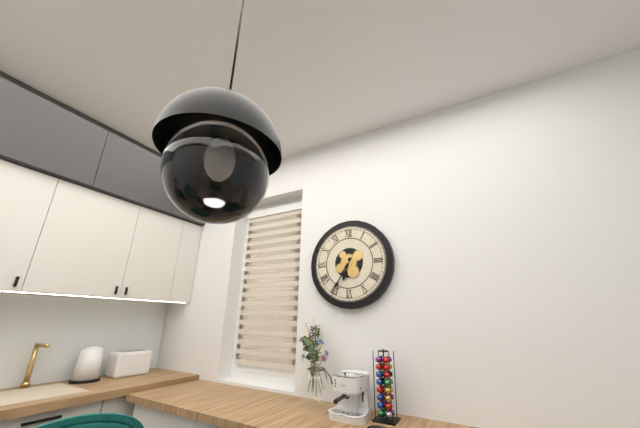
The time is 6:35
